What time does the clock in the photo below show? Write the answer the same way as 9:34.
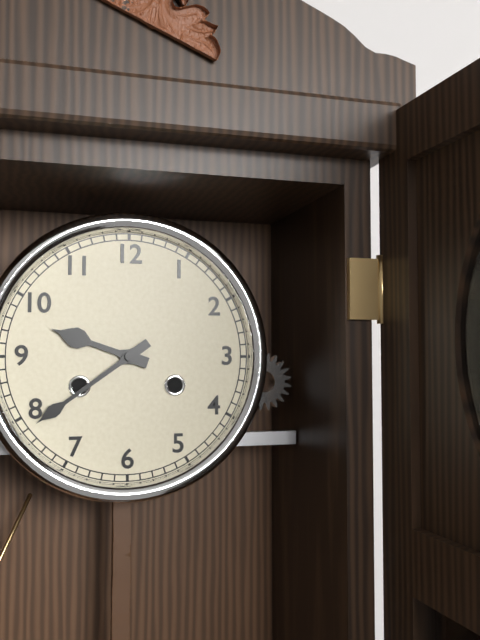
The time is 9:39
